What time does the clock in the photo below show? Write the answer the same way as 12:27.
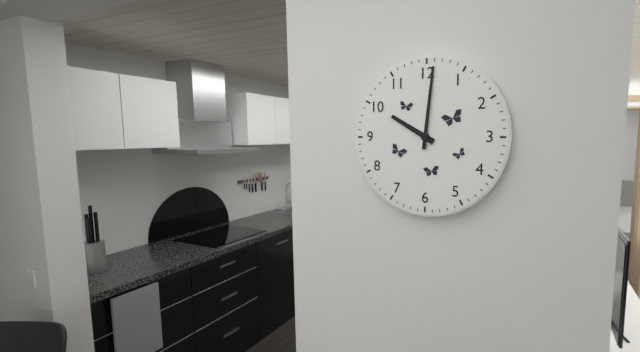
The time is 10:01
